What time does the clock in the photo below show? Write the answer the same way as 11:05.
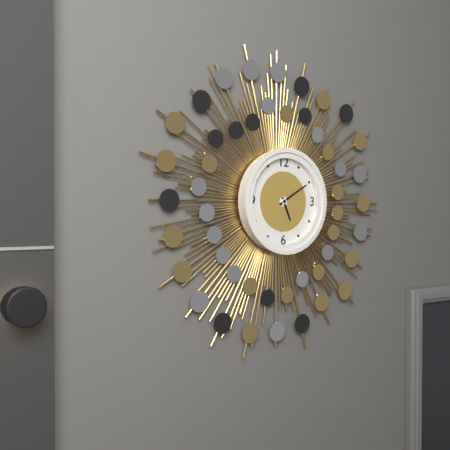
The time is 5:10
